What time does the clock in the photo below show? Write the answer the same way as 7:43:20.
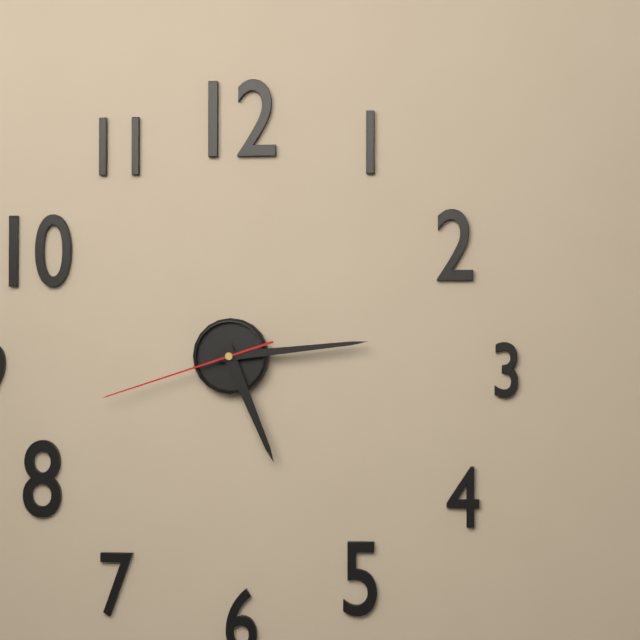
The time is 5:14:42
